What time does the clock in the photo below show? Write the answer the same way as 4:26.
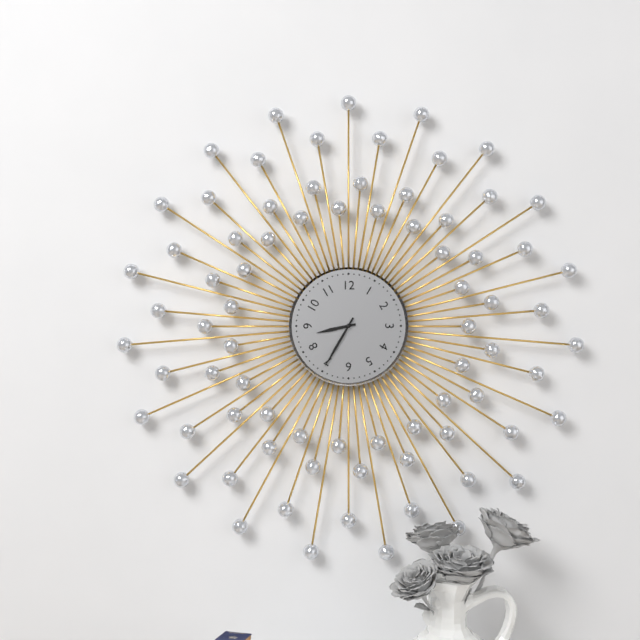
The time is 8:35
